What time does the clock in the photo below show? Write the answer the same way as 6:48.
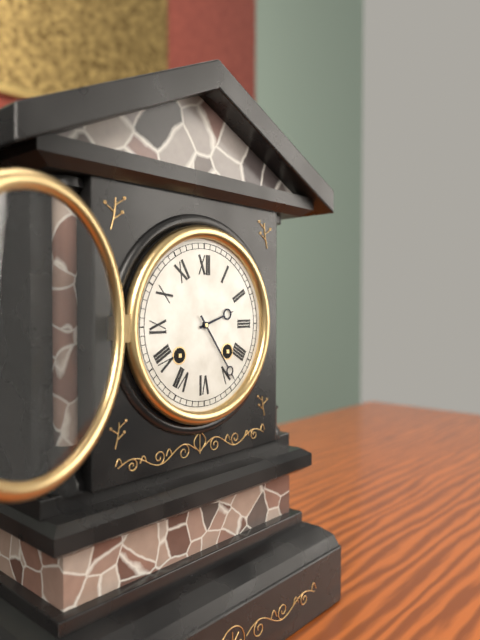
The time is 2:24
